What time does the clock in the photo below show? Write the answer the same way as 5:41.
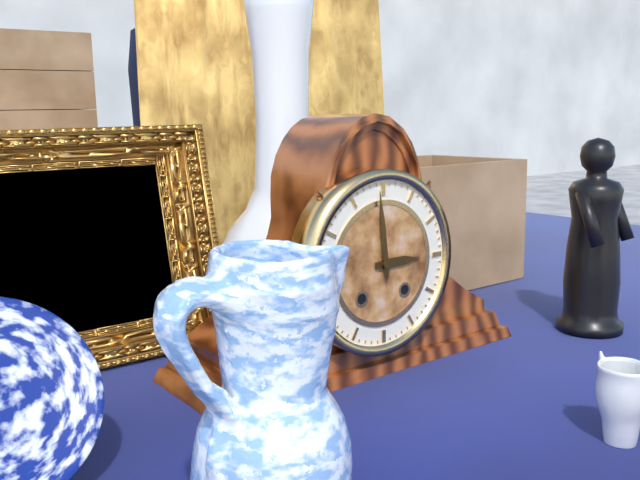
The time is 2:59
